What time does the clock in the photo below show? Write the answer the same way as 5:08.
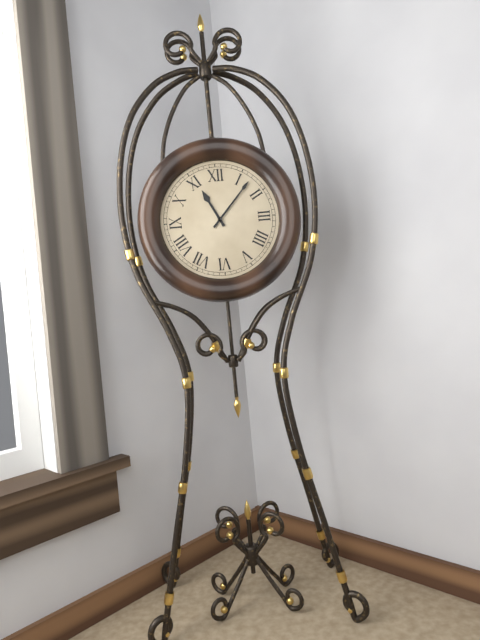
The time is 11:07
